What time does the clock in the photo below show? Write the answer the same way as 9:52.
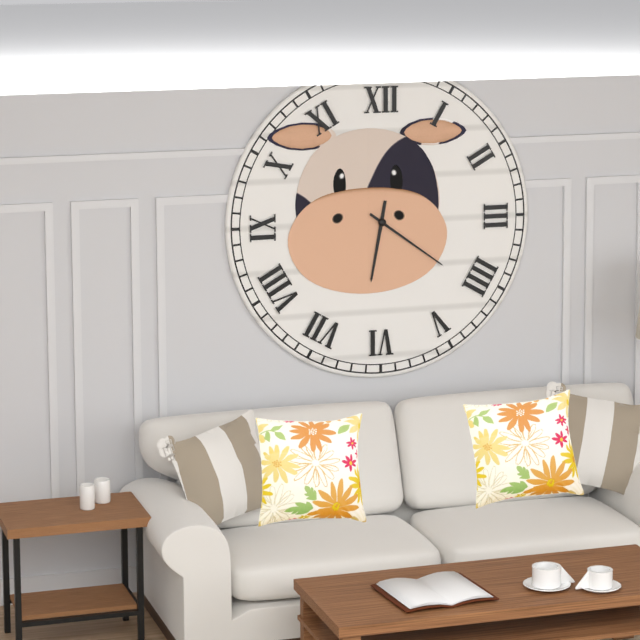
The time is 6:21
